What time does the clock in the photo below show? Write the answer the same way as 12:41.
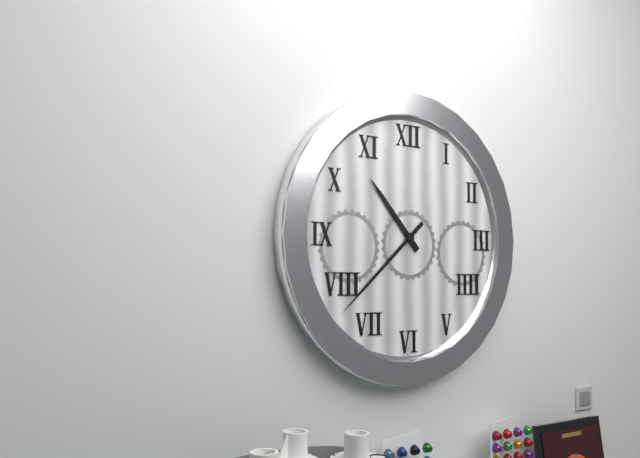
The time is 10:38
